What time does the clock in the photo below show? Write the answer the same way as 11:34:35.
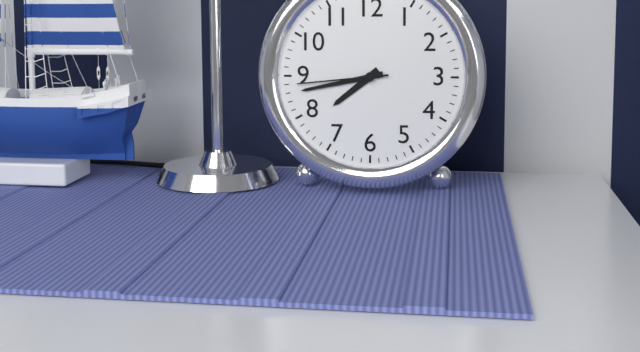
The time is 7:43:44
